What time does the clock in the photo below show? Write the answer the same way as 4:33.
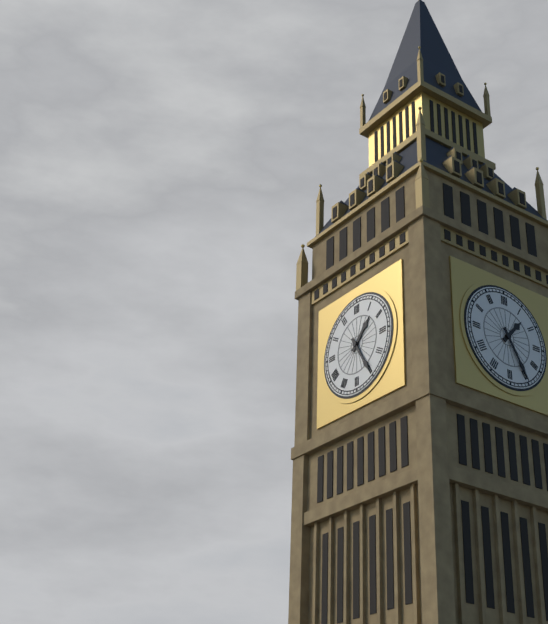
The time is 1:25
